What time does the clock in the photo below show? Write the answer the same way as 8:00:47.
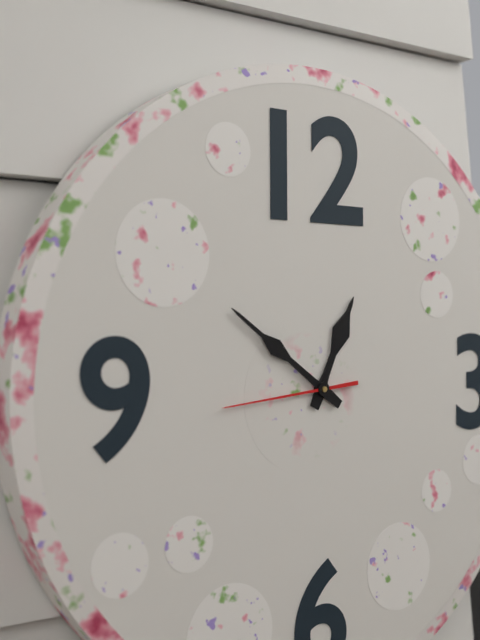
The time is 12:51:44
